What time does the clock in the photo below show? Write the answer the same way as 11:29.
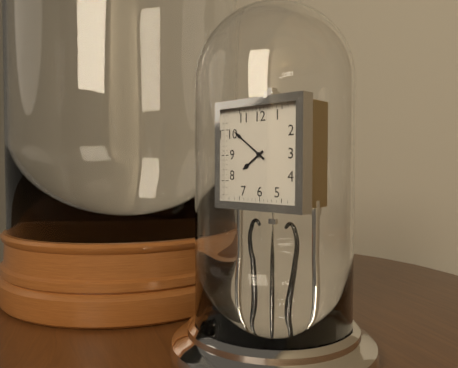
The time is 7:51
